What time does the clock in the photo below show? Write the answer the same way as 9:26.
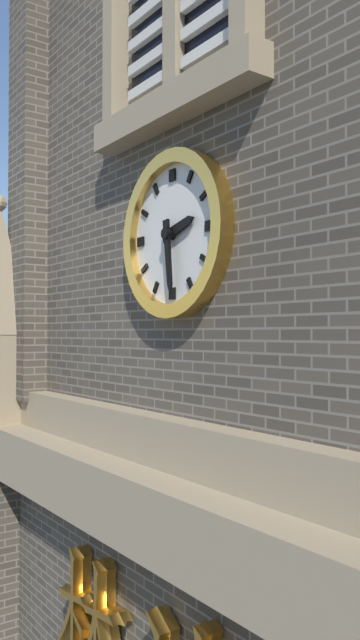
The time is 2:29
